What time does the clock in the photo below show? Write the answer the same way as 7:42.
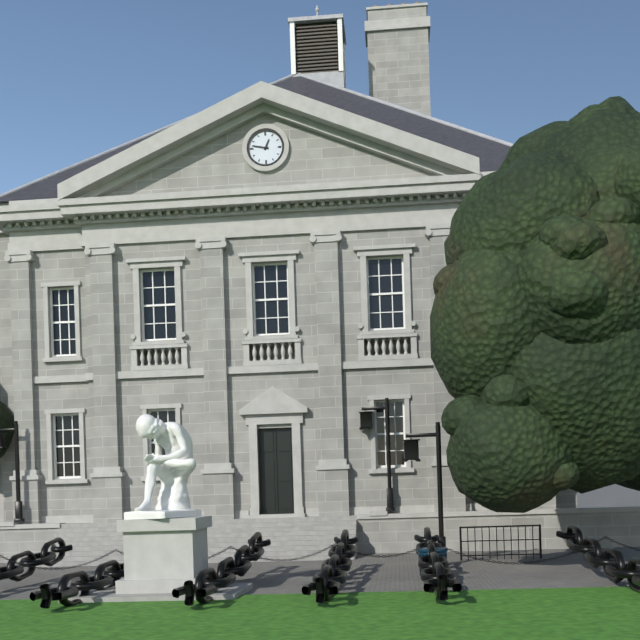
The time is 12:47
